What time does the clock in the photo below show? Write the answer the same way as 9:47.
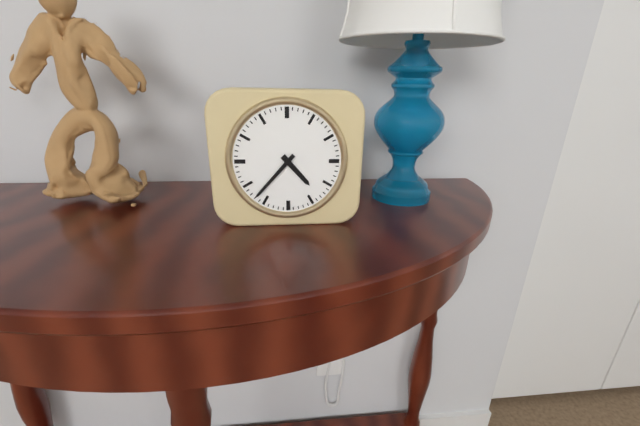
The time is 4:37
